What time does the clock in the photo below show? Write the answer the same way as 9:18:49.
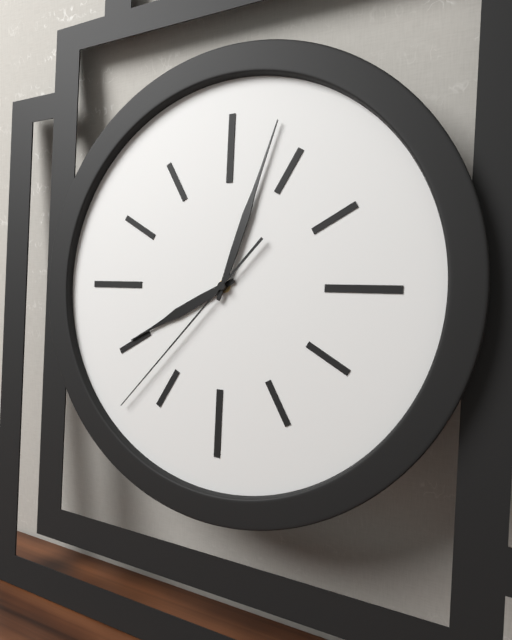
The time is 8:03:37
